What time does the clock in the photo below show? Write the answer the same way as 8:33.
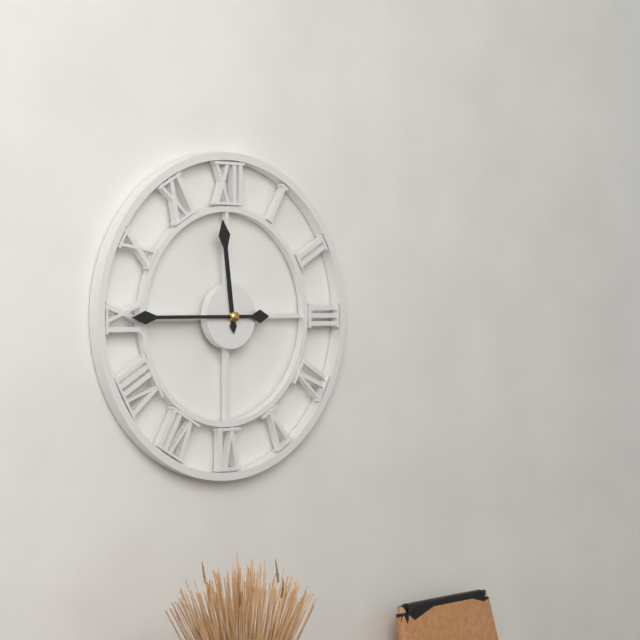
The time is 11:45
